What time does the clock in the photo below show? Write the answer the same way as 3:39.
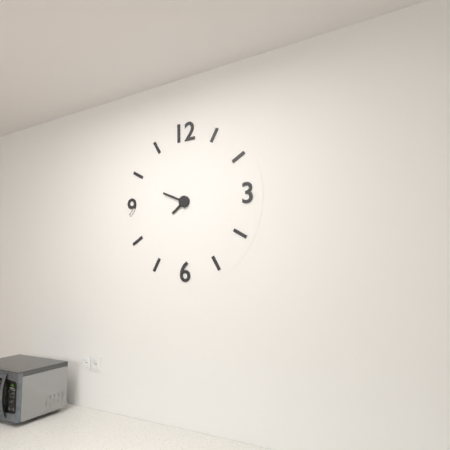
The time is 7:49
